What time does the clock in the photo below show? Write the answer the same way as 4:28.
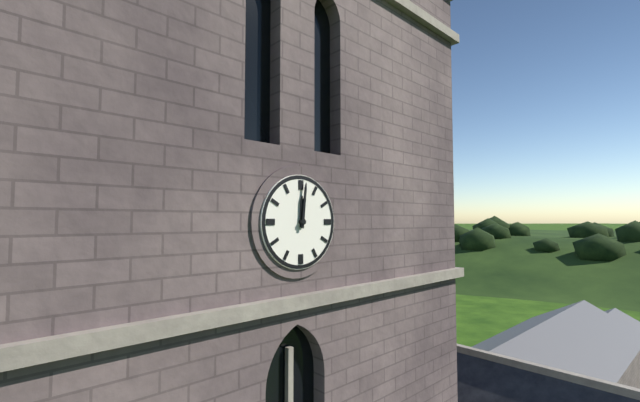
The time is 12:01
